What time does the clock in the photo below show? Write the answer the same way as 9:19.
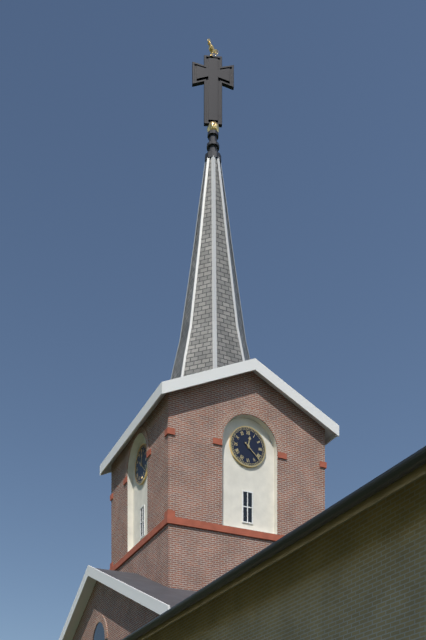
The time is 12:22
